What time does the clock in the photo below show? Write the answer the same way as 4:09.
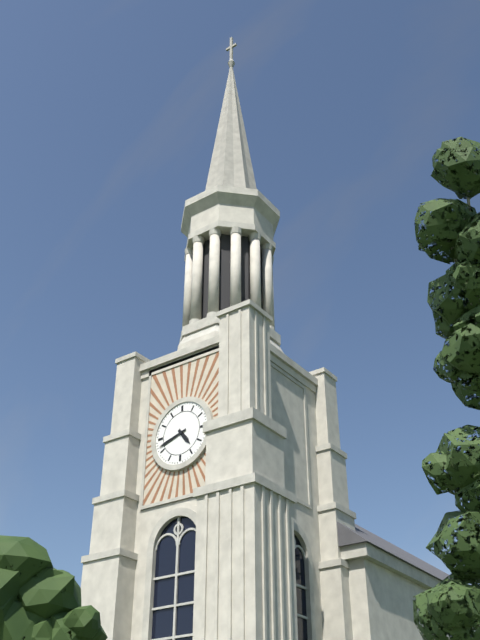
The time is 4:42
